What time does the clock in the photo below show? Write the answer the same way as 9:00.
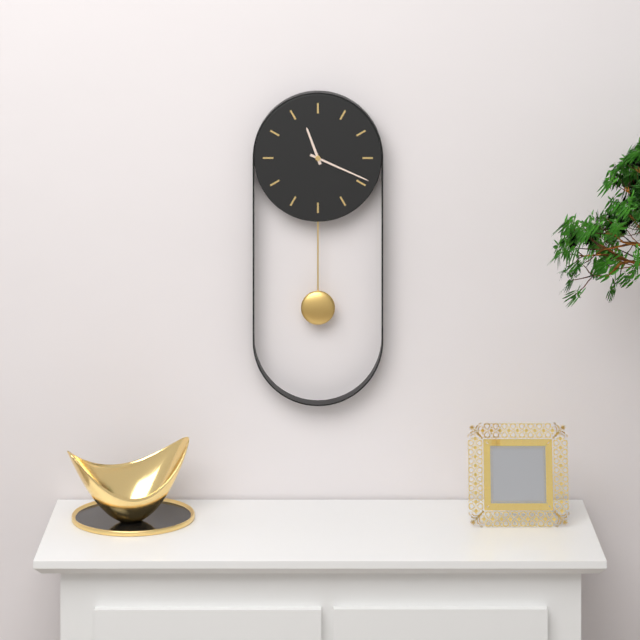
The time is 11:19
